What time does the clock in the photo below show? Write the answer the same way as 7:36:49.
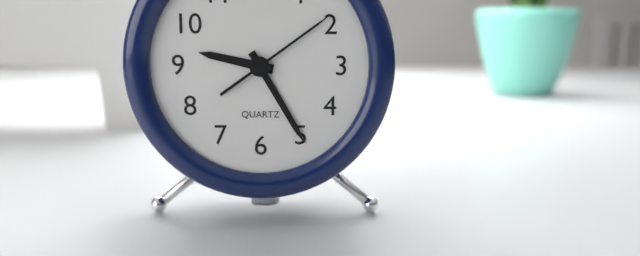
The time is 9:25:09
